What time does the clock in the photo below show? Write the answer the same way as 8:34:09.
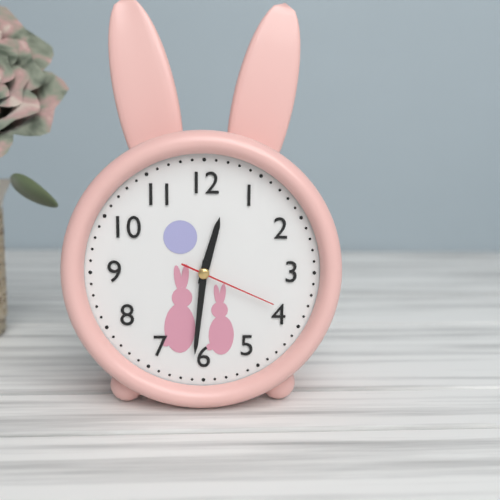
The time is 12:31:19
